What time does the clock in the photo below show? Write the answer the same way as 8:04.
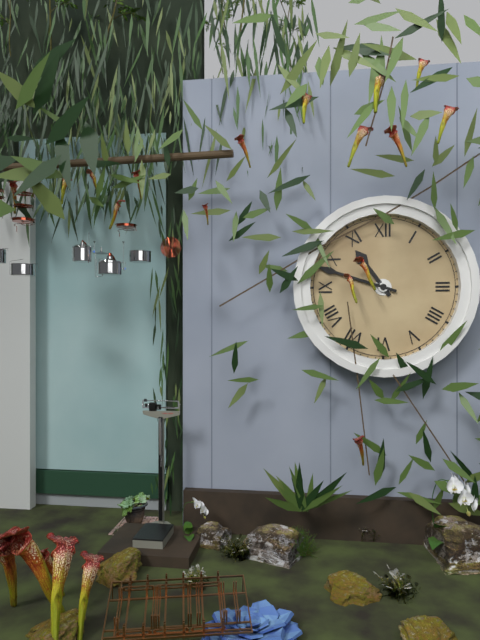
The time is 10:48
